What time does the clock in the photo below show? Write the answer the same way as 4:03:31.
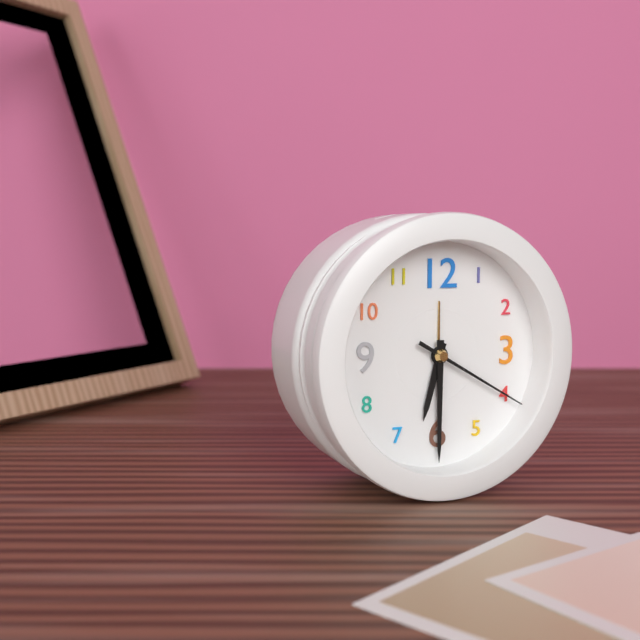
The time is 6:30:20
